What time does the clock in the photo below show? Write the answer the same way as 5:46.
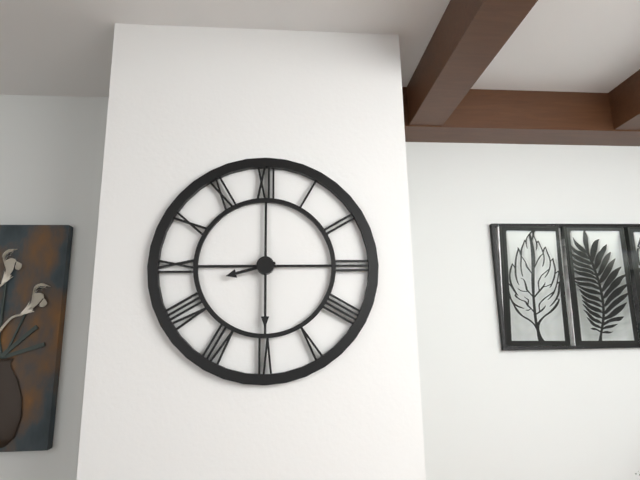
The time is 8:30
